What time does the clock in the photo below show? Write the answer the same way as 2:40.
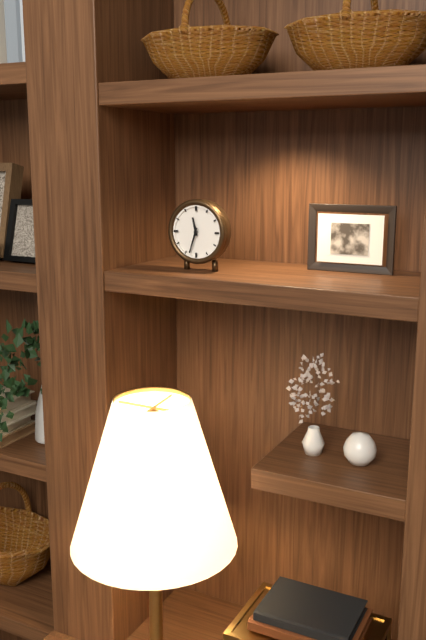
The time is 11:33
